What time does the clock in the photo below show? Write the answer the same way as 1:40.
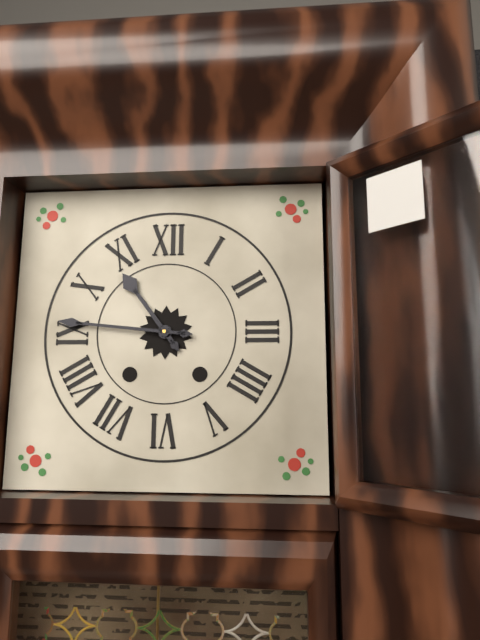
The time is 10:46
